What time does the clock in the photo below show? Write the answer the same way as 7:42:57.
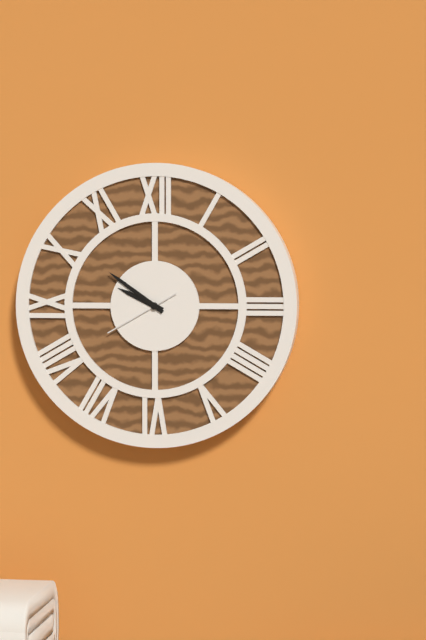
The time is 9:51:40
